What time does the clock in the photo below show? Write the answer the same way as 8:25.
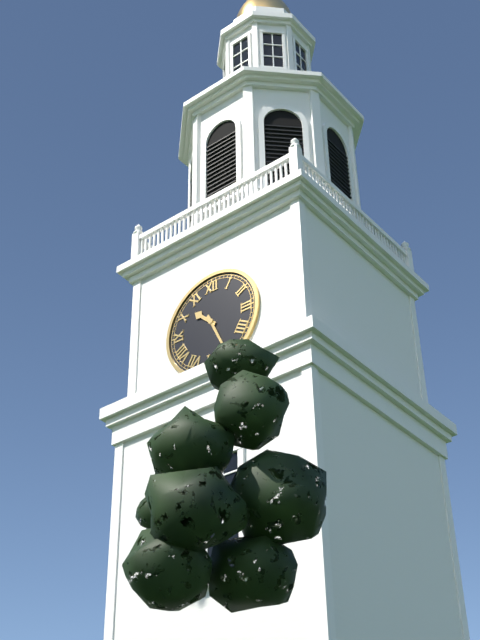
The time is 10:26
